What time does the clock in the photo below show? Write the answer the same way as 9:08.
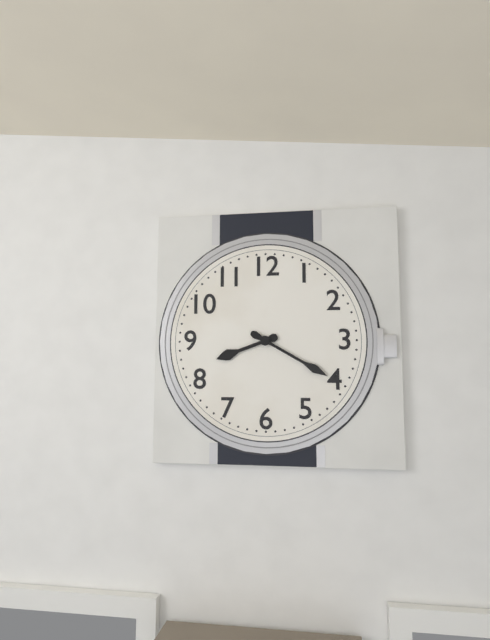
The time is 8:20
